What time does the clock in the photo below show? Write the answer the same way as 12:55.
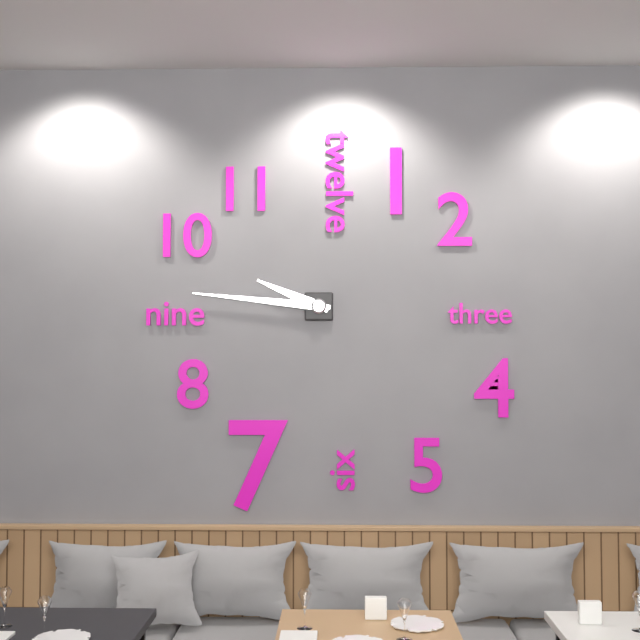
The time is 9:46
